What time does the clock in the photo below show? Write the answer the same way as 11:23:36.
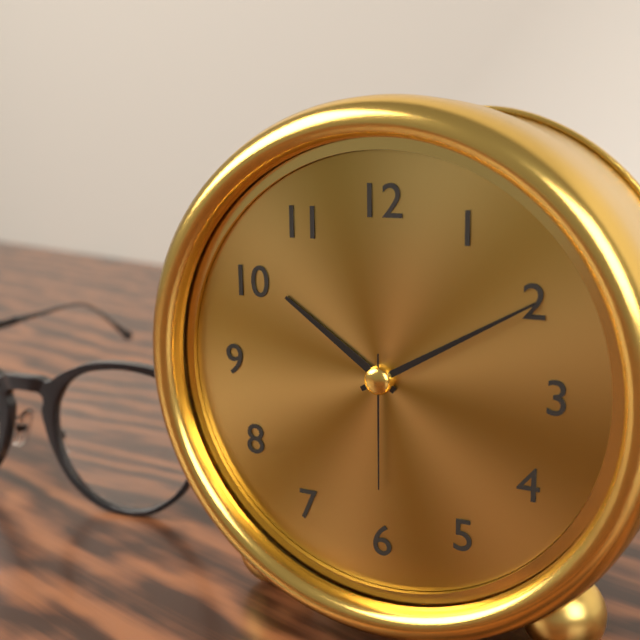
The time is 10:10:30
